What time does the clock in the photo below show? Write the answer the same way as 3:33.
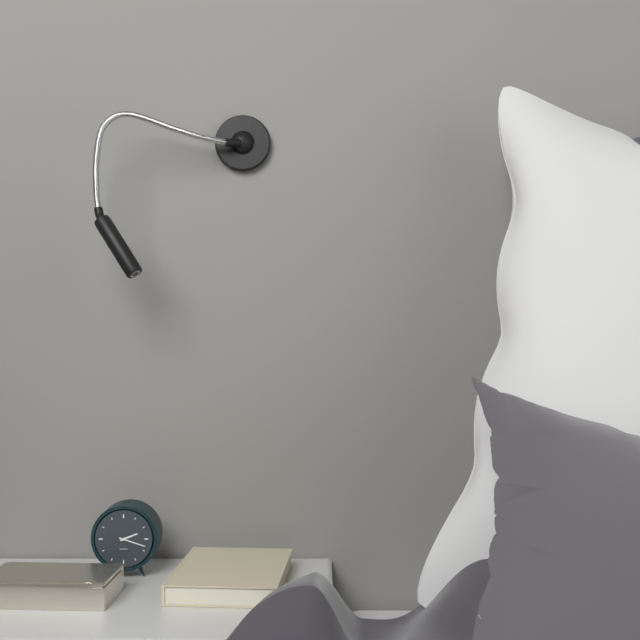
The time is 2:18
